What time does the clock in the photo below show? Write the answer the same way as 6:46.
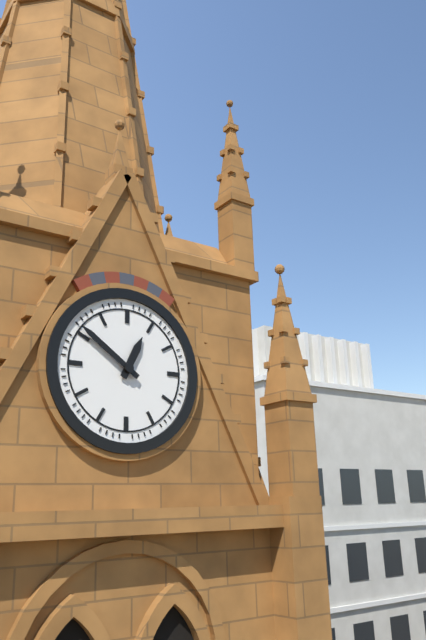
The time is 12:51
